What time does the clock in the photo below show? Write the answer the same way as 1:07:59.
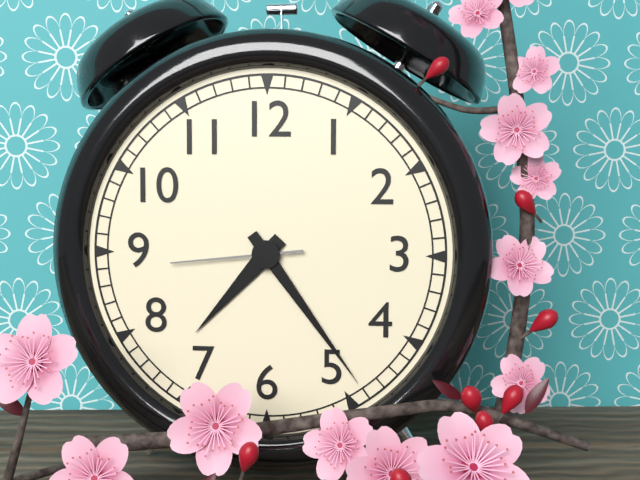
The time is 7:24:44
